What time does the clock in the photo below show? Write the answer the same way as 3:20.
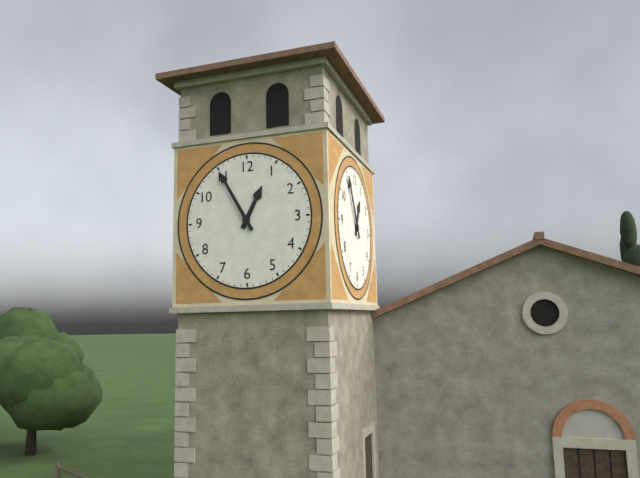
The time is 12:55
